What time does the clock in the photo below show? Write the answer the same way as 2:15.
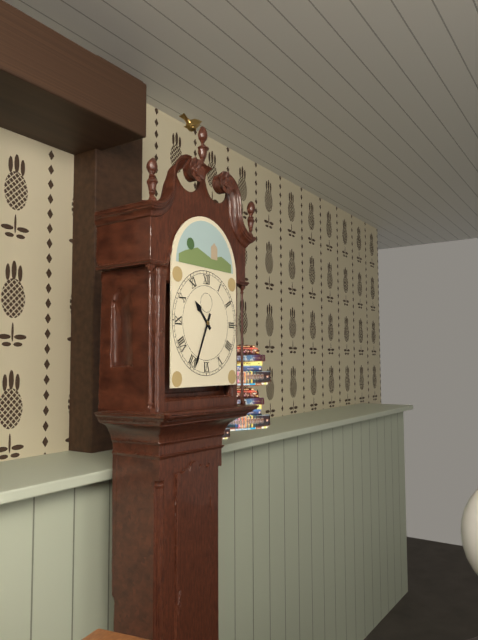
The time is 10:34
